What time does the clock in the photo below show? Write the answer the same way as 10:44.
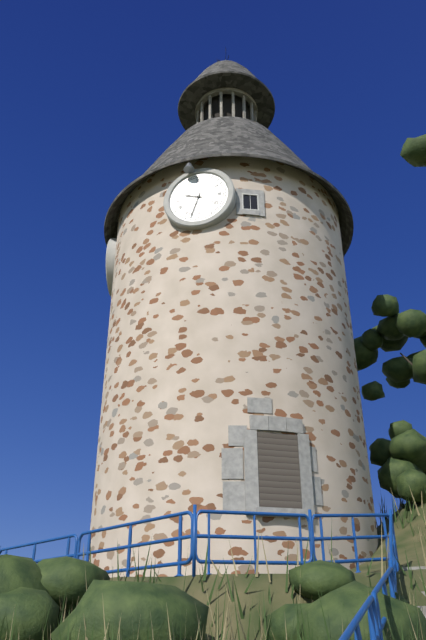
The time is 9:33
